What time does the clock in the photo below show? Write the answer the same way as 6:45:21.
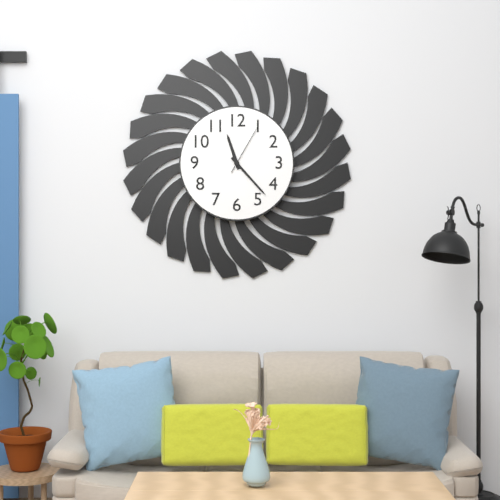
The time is 11:23:05
